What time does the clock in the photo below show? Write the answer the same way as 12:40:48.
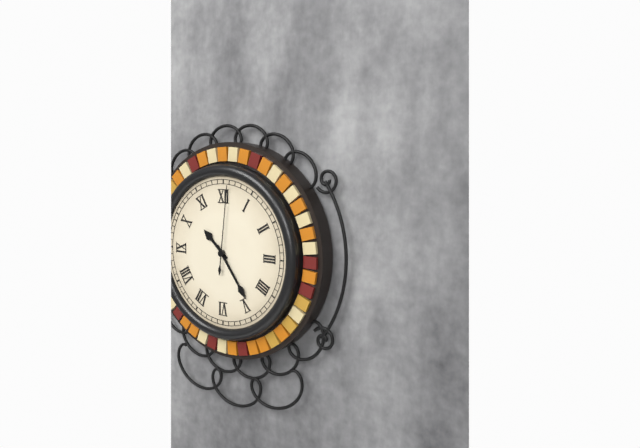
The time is 10:24:01
